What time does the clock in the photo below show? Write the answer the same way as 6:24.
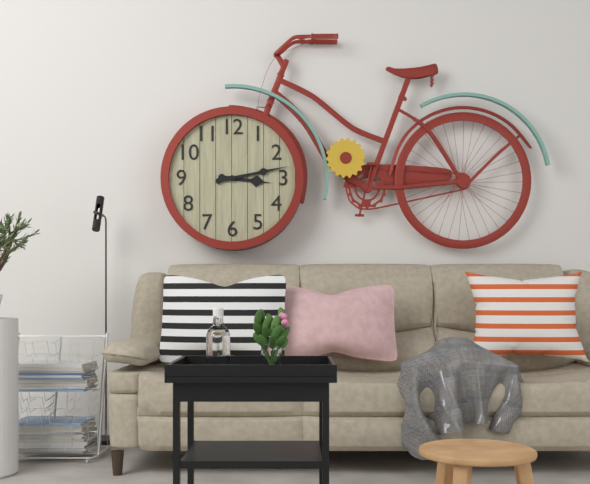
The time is 3:13
